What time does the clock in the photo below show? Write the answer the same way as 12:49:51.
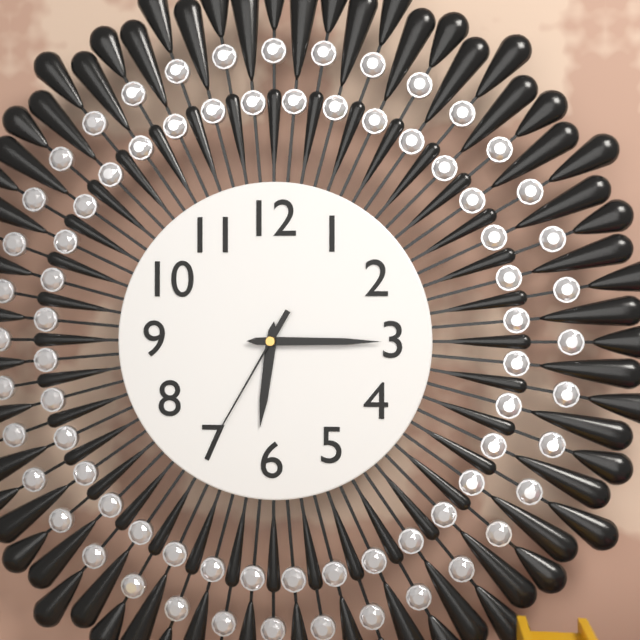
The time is 6:15:35
